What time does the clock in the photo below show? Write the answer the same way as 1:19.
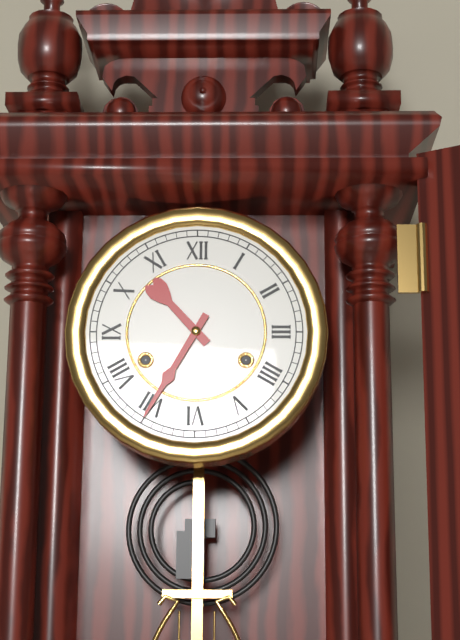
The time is 10:35
